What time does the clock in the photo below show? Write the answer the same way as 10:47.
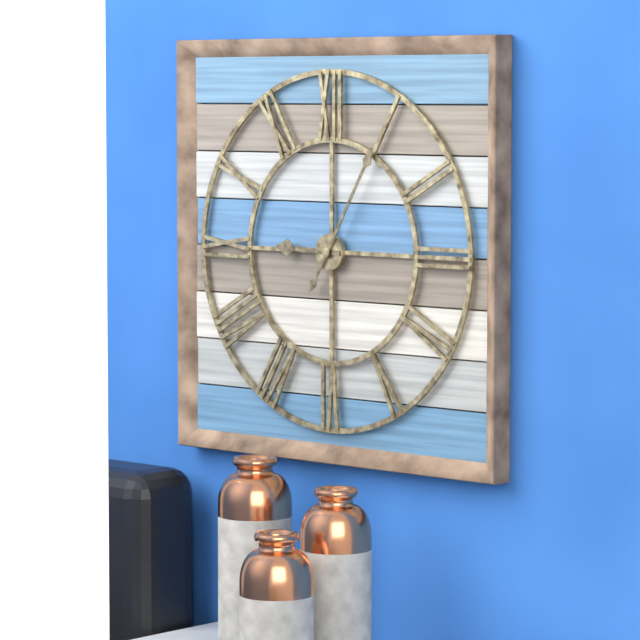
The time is 9:05
